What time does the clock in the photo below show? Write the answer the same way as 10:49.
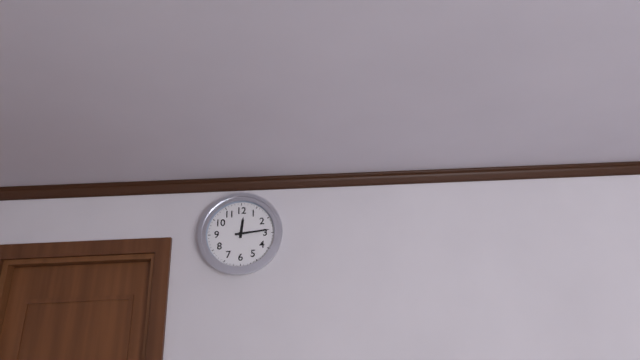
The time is 12:14
